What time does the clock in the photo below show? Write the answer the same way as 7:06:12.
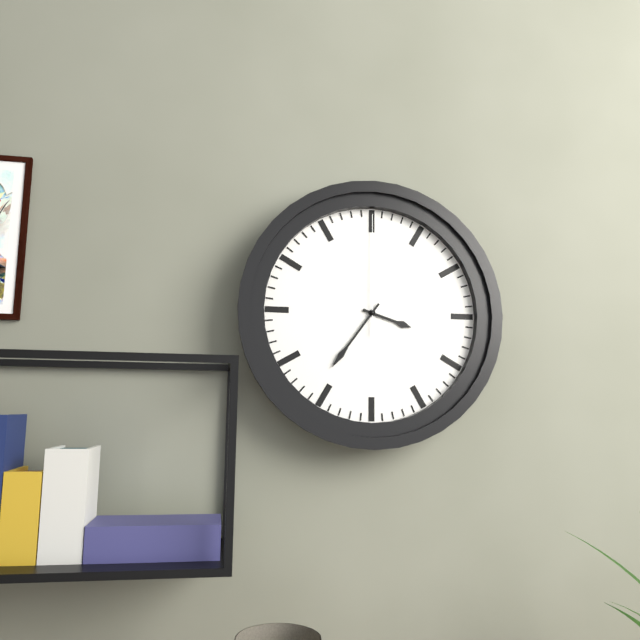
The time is 3:36:00
